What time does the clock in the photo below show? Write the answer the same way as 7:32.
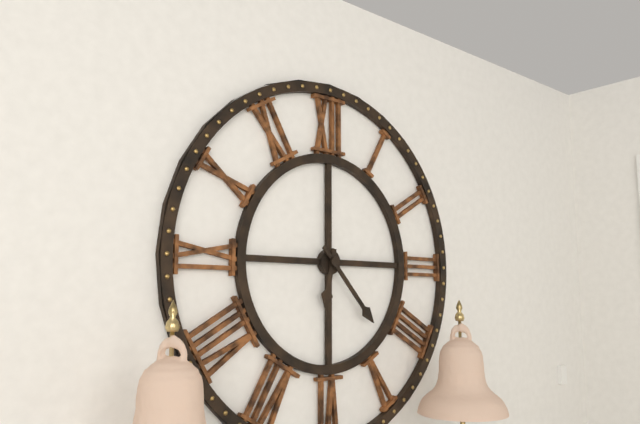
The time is 6:23
